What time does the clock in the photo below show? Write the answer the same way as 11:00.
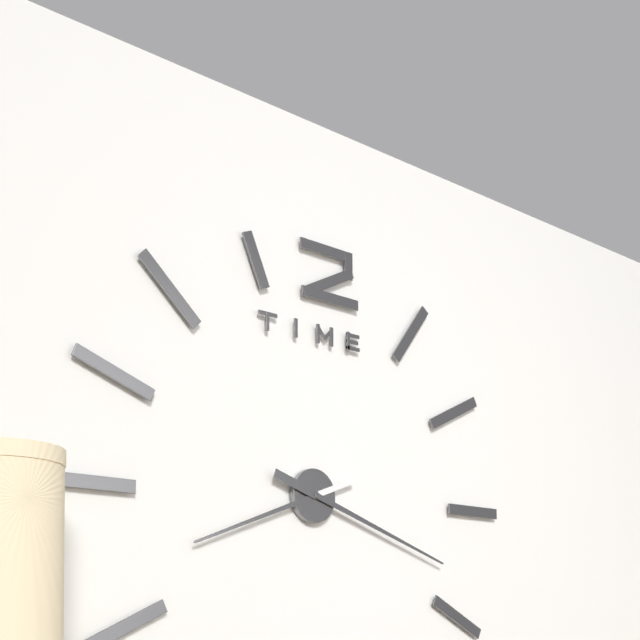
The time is 8:18
